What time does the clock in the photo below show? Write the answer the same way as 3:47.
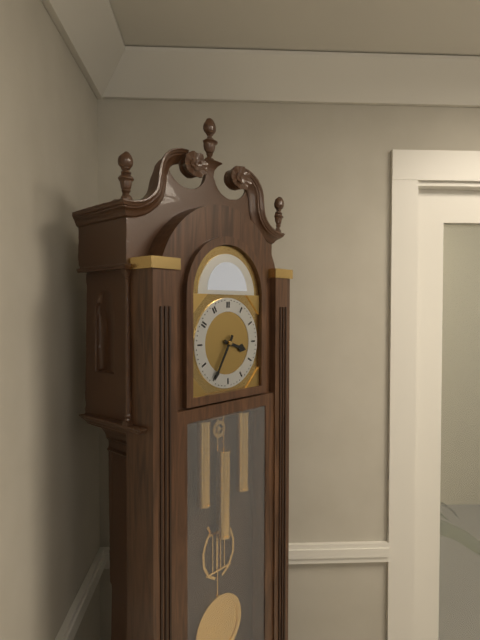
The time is 3:35
